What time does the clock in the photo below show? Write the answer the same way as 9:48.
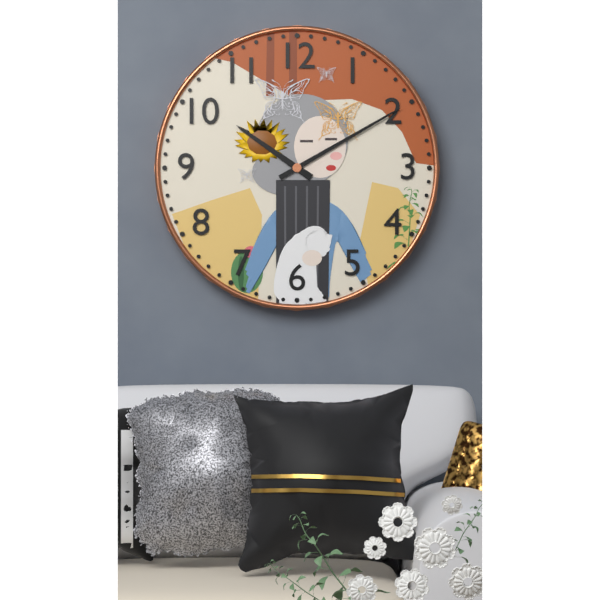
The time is 10:10
